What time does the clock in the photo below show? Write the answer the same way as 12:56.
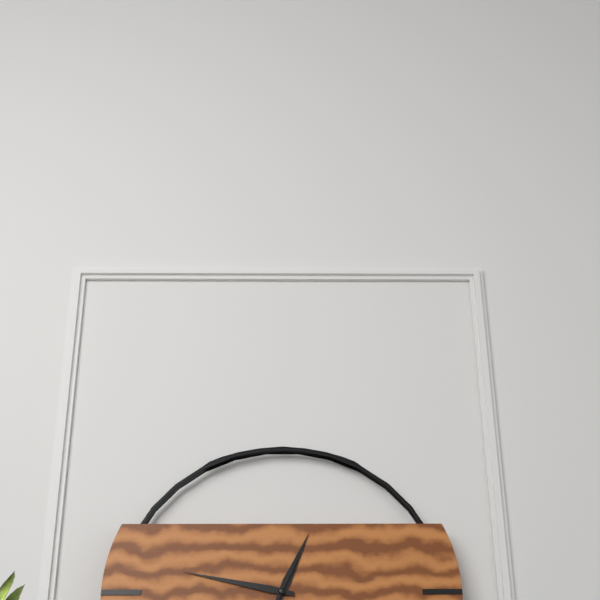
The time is 12:47
